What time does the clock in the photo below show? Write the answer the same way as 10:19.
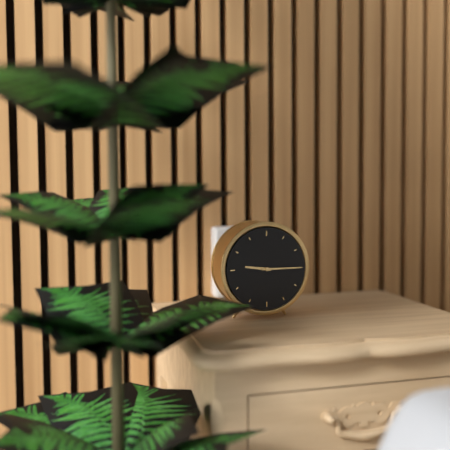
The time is 9:15
